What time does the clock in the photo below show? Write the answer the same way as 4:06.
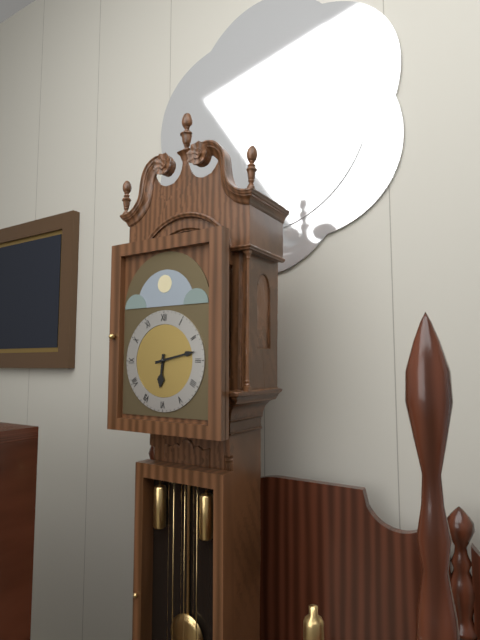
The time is 6:13
